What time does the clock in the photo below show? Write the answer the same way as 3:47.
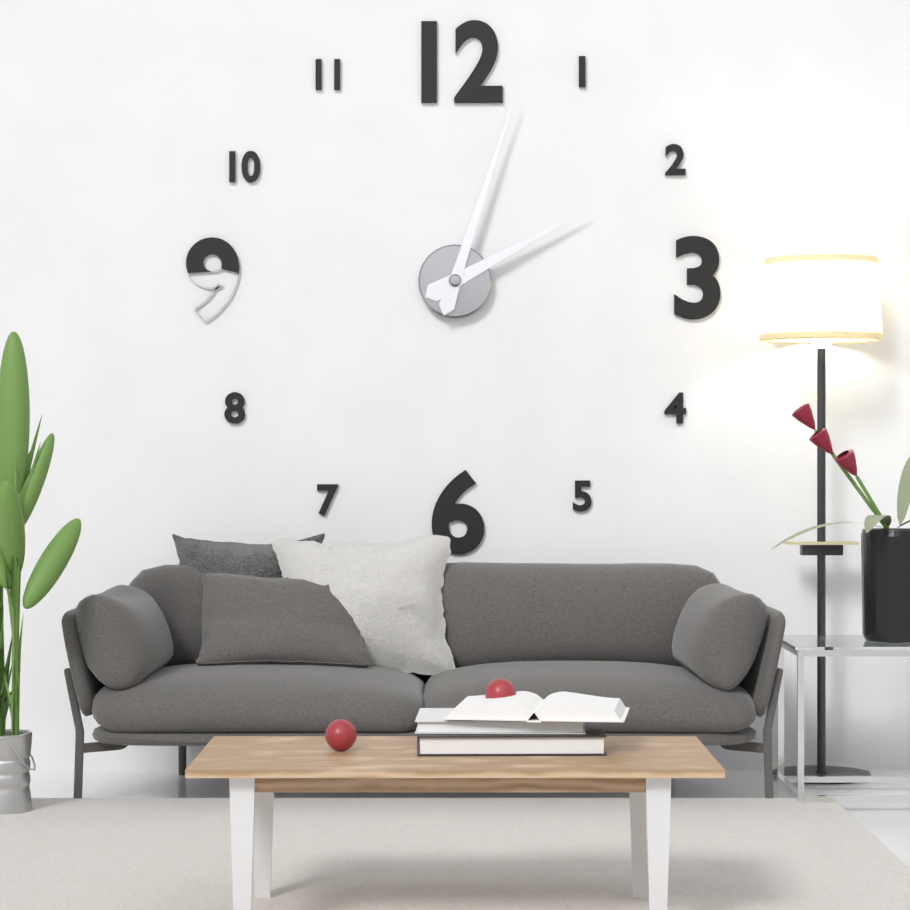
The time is 2:03
